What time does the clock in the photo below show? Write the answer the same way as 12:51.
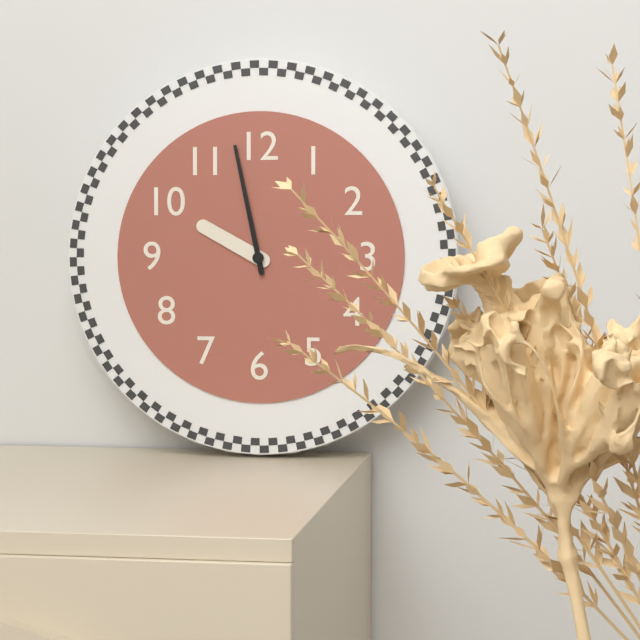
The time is 9:58
